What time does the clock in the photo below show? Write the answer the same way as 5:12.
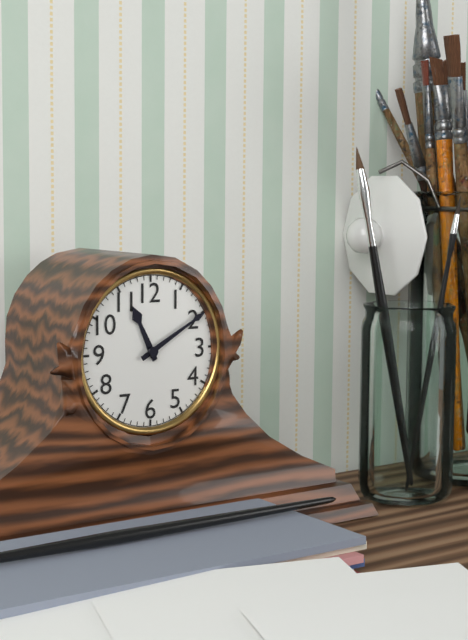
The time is 11:10
